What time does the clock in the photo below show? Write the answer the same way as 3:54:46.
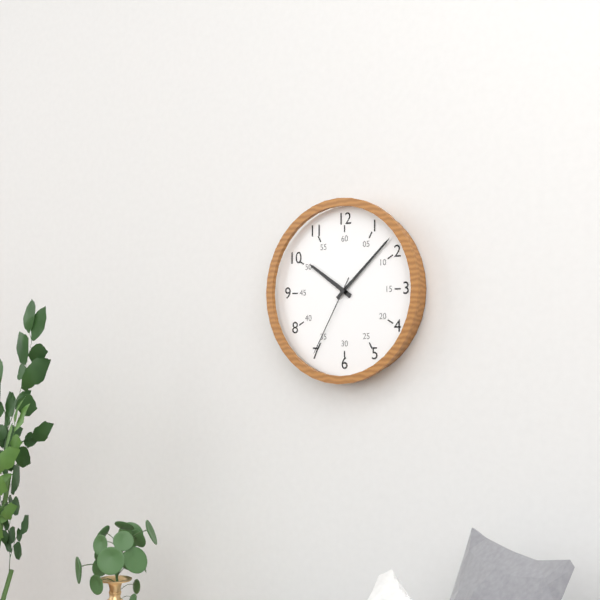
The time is 10:08:35
